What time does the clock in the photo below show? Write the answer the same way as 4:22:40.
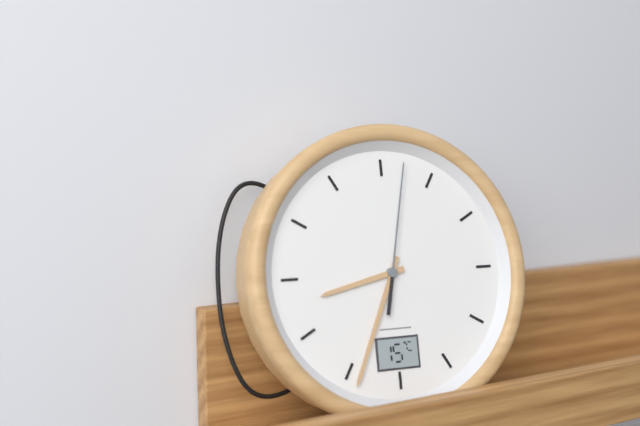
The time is 8:34:02
